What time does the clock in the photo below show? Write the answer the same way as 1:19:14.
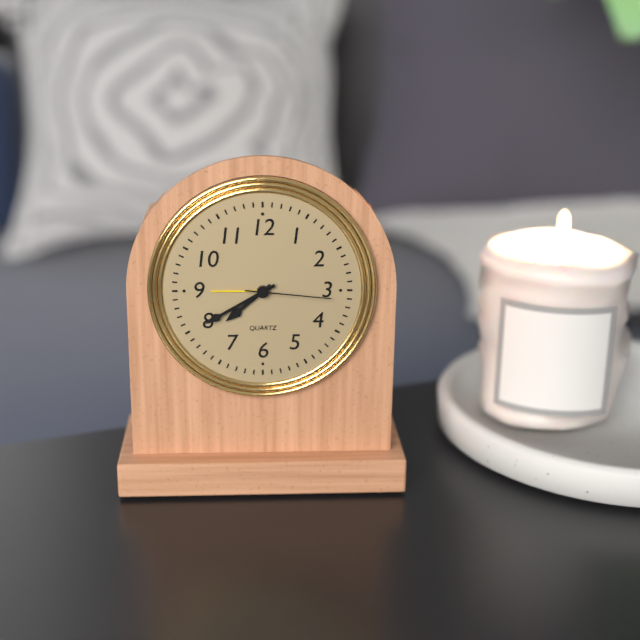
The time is 7:40:16
